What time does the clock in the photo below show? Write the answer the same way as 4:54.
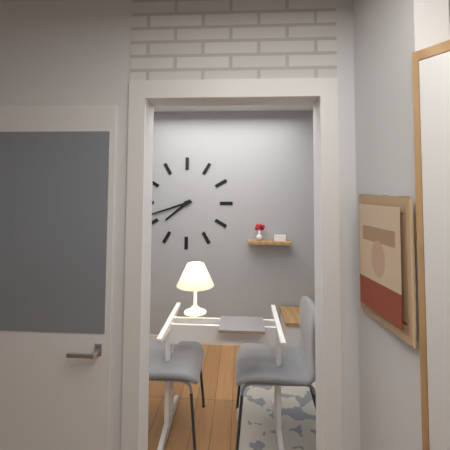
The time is 7:42
